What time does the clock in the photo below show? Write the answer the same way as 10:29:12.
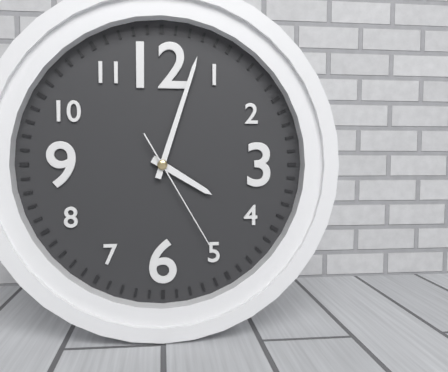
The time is 4:03:25
